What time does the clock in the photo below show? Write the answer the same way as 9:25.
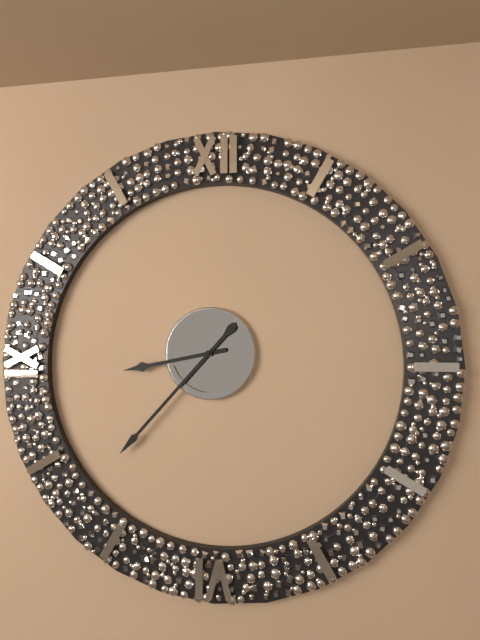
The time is 8:37
